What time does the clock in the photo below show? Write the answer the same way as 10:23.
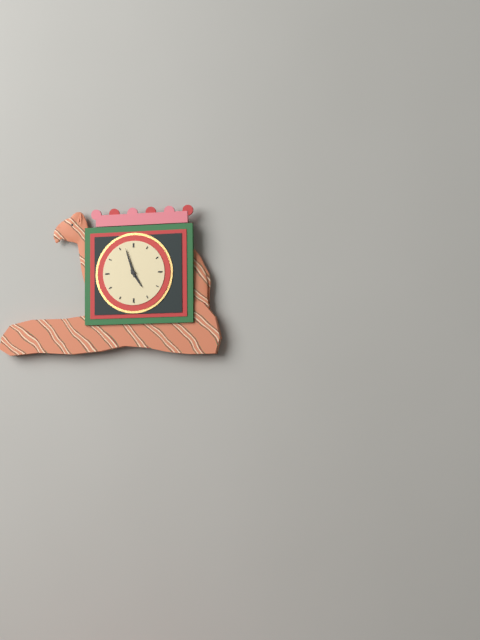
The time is 4:57
